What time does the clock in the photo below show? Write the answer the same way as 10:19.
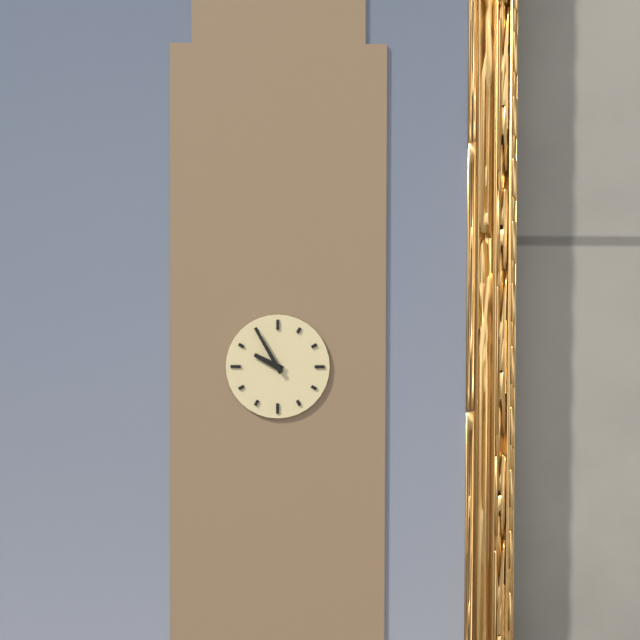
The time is 9:55
